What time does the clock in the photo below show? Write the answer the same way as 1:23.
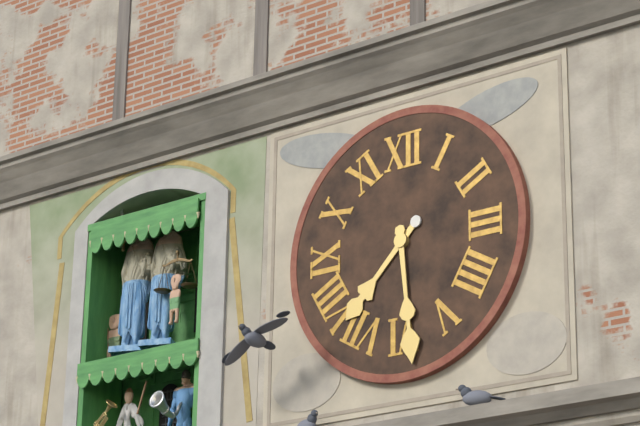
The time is 7:29
